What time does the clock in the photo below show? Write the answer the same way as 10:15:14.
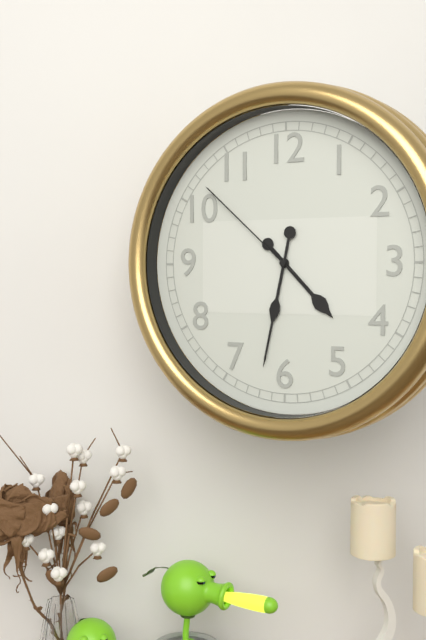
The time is 4:32:52
